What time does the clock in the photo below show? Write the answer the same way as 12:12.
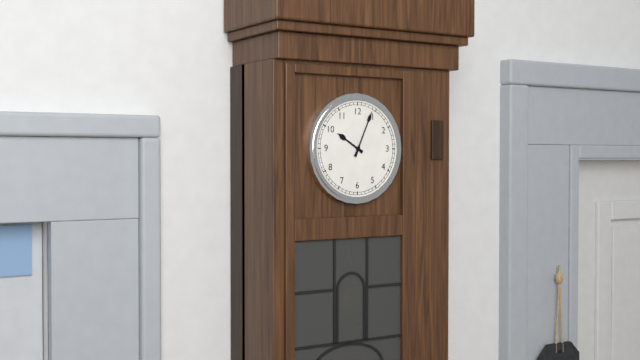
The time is 10:04
